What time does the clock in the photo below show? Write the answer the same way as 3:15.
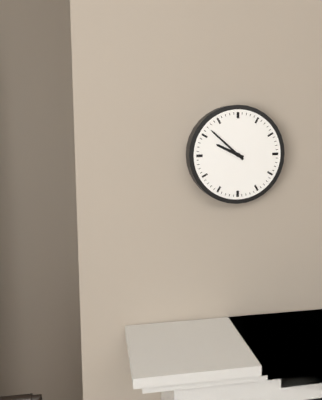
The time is 9:52
